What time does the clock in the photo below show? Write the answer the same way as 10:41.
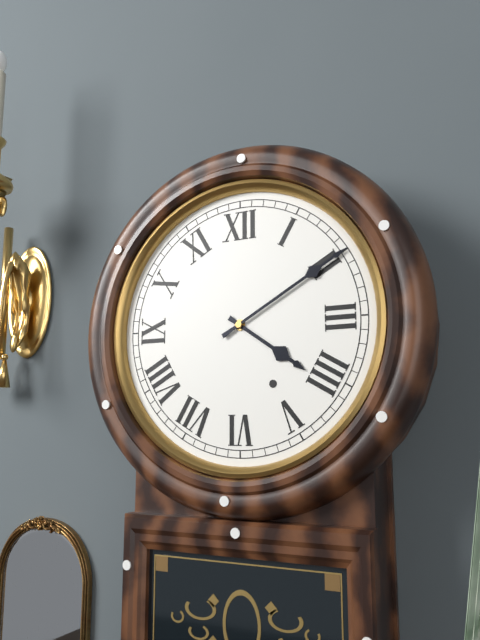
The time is 4:10
